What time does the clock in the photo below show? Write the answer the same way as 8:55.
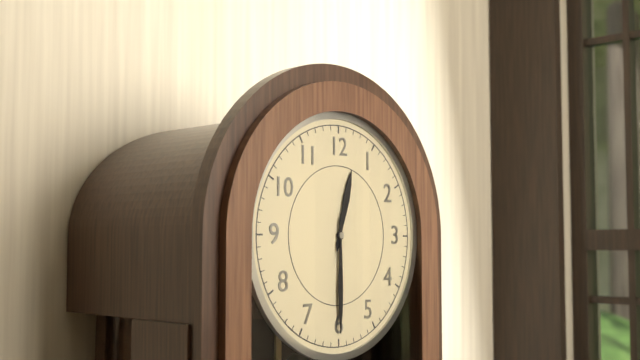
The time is 12:30
